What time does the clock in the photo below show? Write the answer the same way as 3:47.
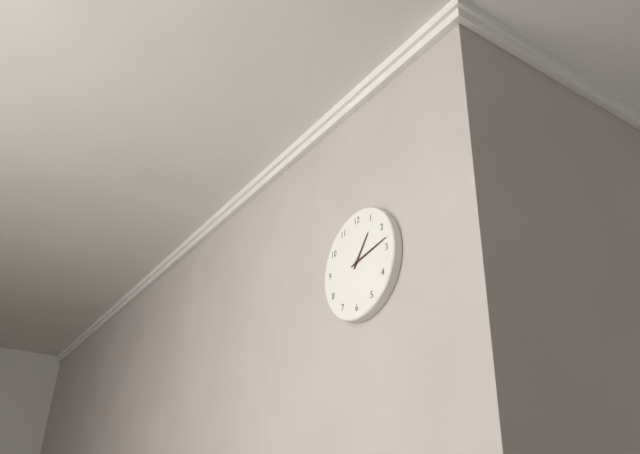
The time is 1:13
